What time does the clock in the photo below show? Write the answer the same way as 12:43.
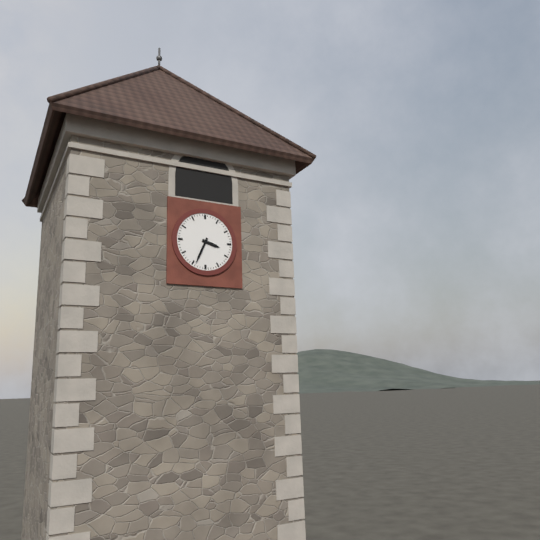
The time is 3:34
